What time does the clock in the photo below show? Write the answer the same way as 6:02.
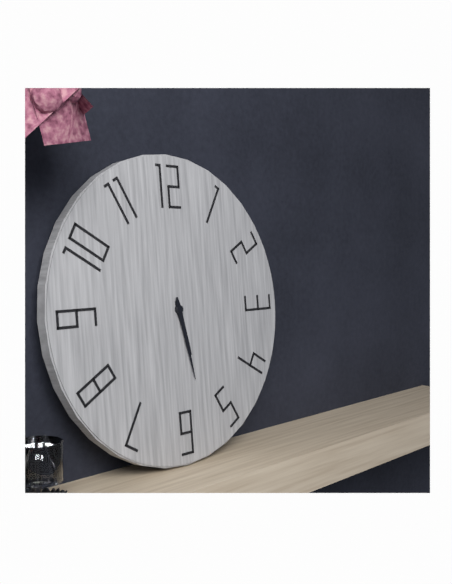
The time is 5:28
